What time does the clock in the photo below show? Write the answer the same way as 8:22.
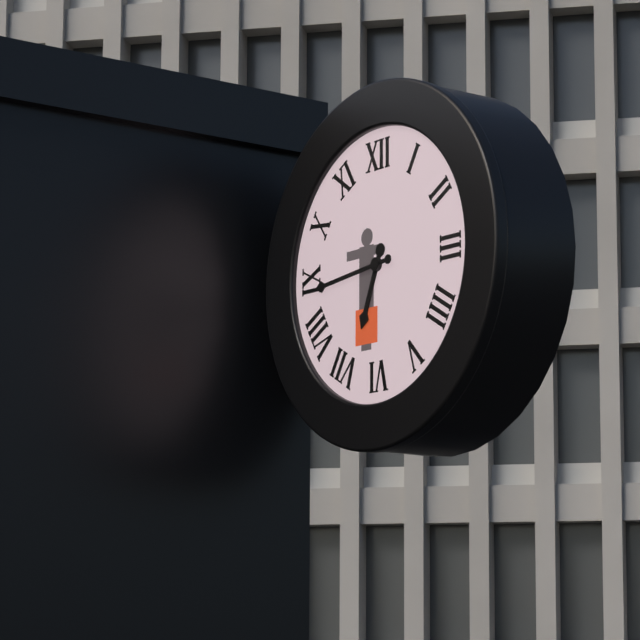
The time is 6:44
